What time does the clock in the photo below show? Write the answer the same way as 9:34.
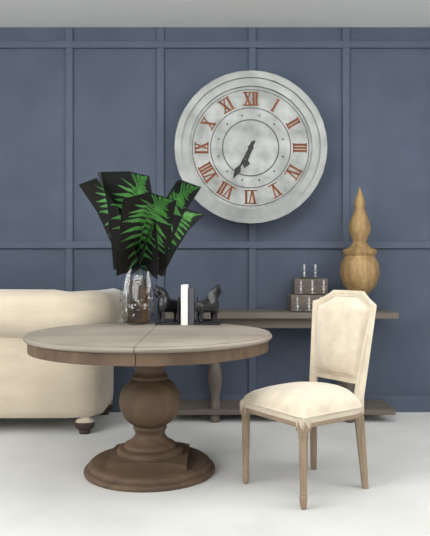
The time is 6:35
